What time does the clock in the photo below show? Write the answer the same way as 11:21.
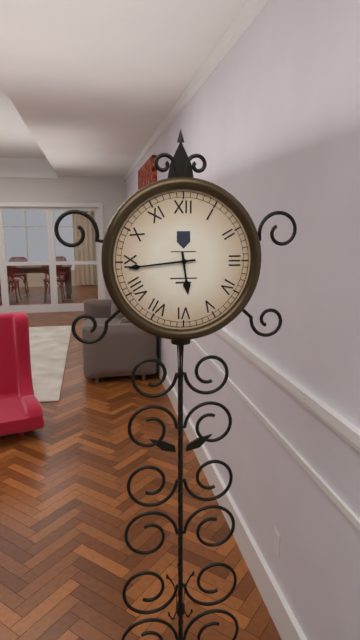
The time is 5:44
